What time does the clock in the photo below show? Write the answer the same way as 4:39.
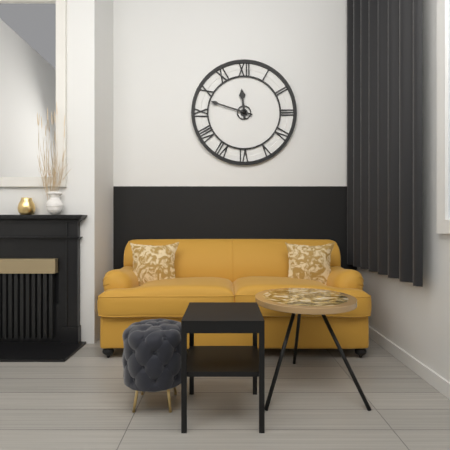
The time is 11:48
